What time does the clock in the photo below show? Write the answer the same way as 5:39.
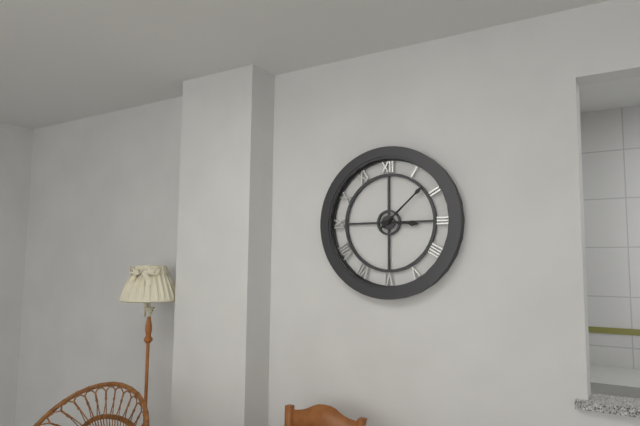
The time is 3:08
